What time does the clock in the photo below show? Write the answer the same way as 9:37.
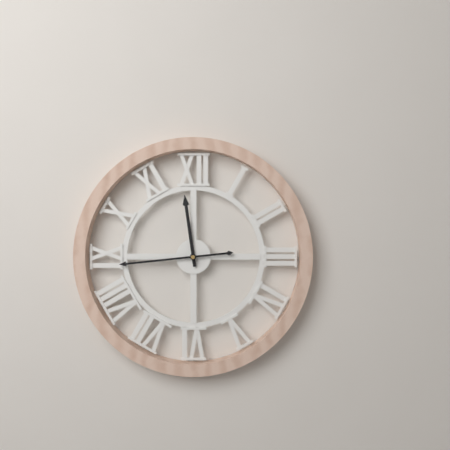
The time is 11:44
